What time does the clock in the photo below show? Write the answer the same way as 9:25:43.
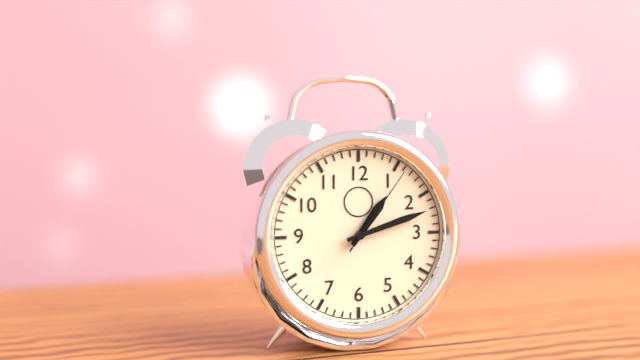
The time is 1:12:06
